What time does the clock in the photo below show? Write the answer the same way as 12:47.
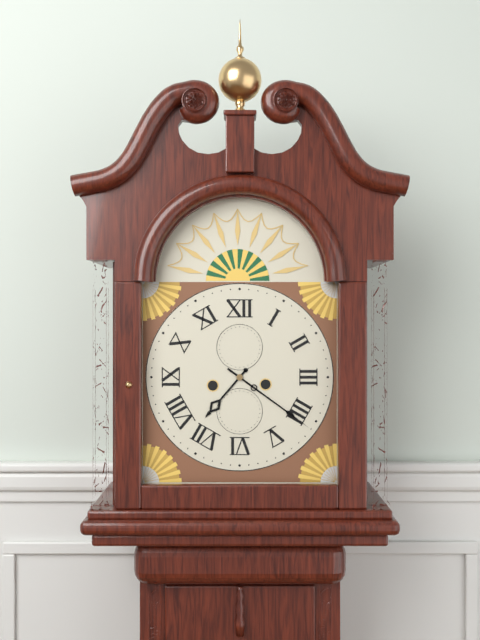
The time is 7:21
